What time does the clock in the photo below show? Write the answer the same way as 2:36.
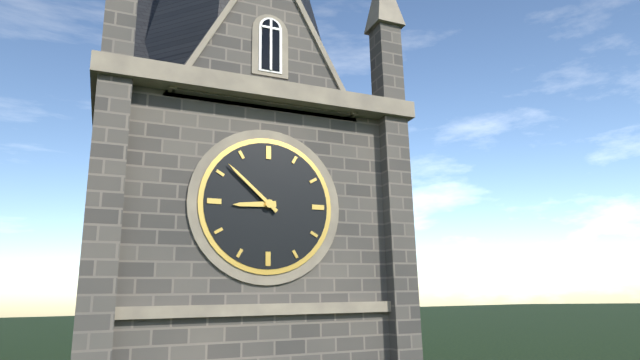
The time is 8:52
